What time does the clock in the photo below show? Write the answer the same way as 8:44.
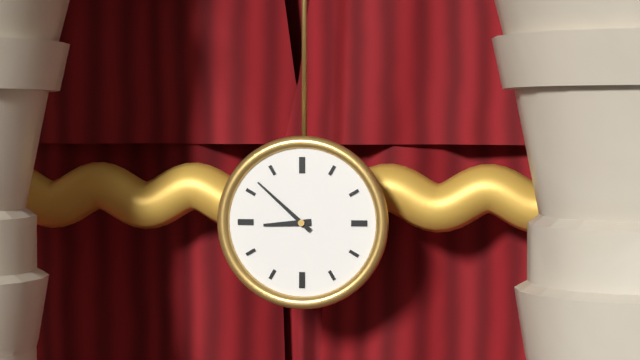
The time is 8:52
